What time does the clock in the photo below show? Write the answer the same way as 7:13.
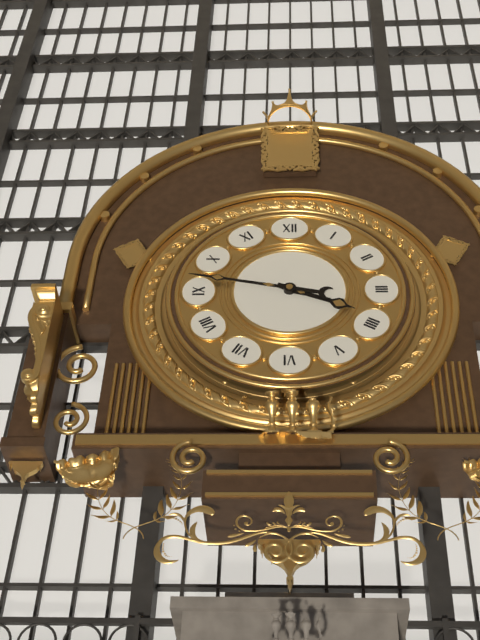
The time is 3:47
